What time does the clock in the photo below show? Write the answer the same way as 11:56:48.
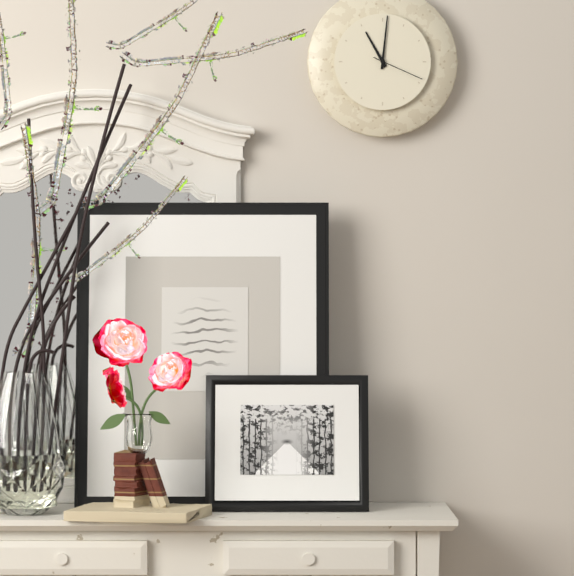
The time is 11:01:19
